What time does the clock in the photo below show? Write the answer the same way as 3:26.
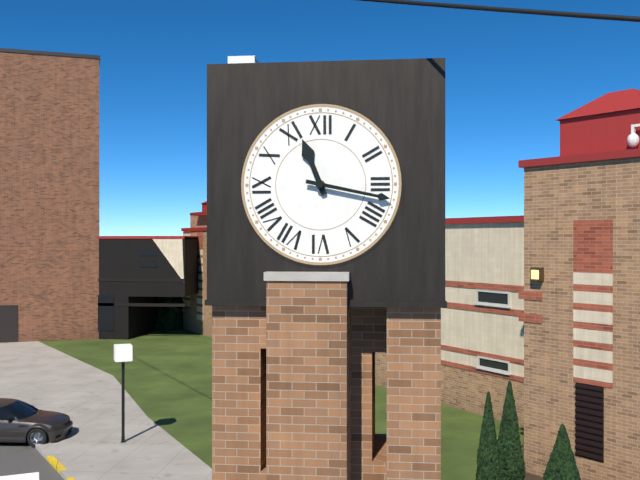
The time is 11:17
